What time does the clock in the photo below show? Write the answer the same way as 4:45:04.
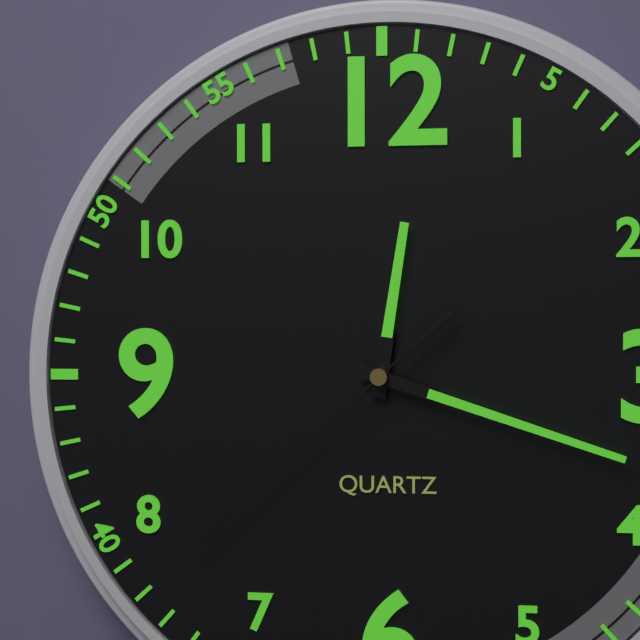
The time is 12:18:38
